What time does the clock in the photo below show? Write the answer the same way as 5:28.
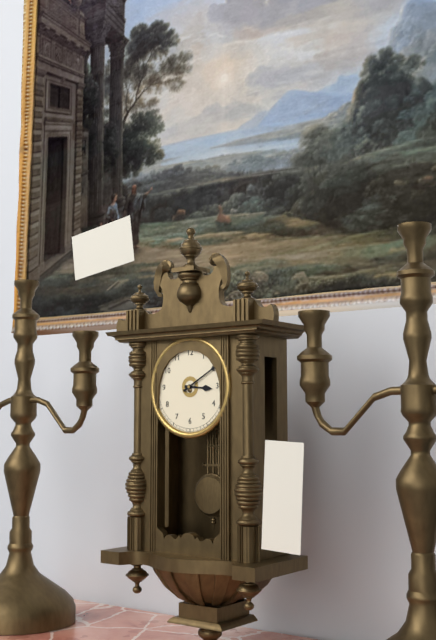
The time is 3:10
